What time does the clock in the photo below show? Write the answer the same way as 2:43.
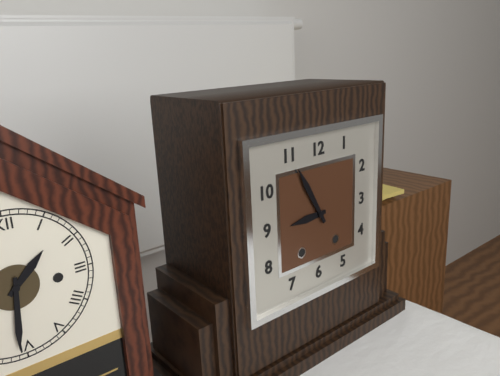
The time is 8:55
